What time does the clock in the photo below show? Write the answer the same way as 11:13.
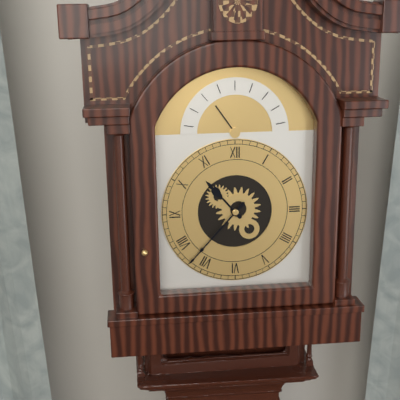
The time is 10:37
